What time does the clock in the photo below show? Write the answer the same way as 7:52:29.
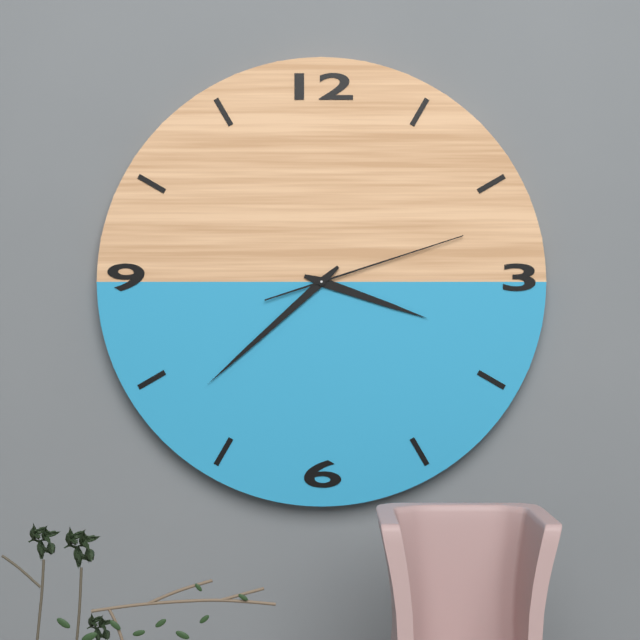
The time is 3:38:12
